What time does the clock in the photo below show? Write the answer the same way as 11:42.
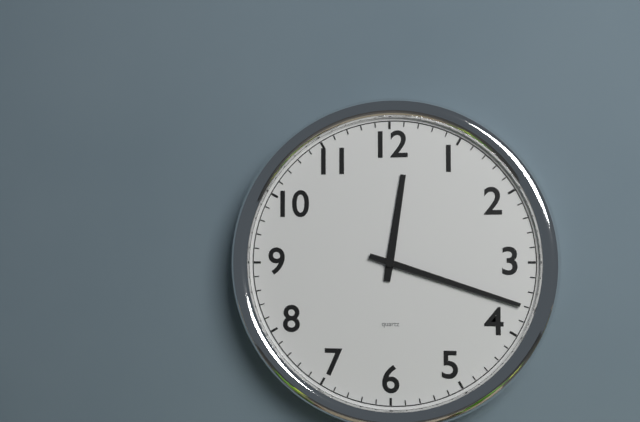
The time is 12:18
